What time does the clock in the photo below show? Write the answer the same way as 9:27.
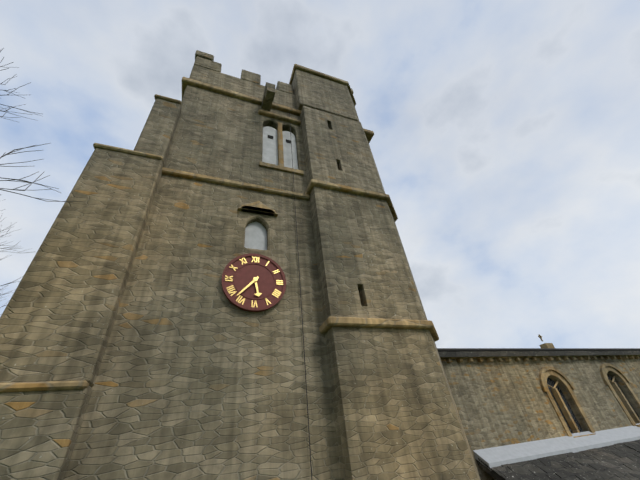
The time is 5:37
